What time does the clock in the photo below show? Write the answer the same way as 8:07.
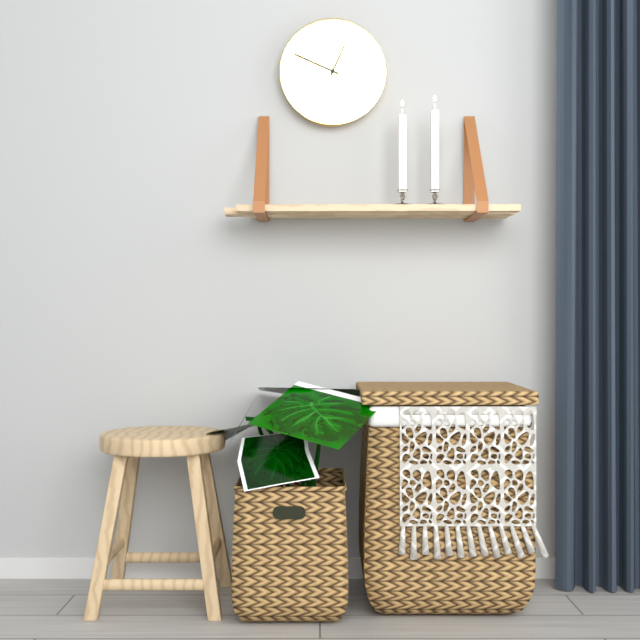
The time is 12:49
